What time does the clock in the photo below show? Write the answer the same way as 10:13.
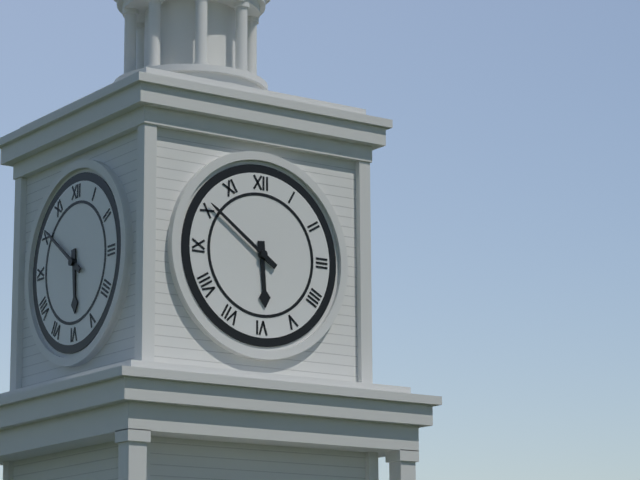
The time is 5:51
